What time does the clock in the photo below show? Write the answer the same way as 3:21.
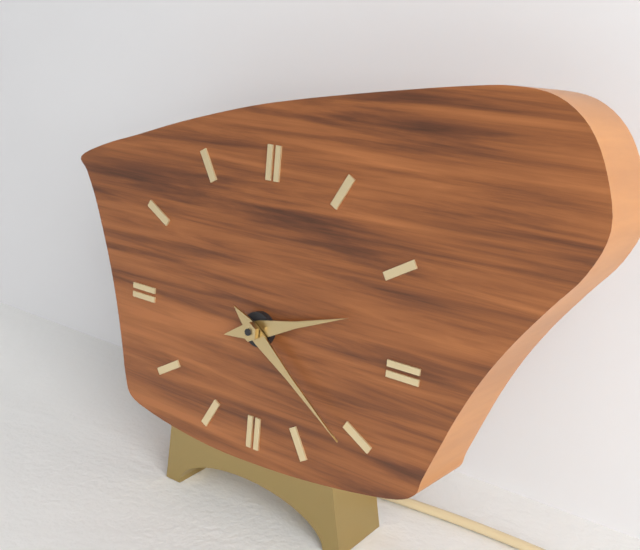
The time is 2:21
